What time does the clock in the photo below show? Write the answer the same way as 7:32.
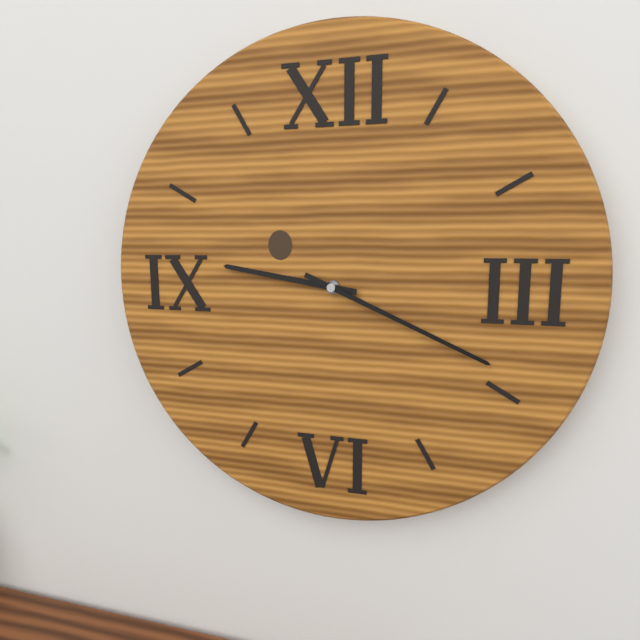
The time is 9:19
